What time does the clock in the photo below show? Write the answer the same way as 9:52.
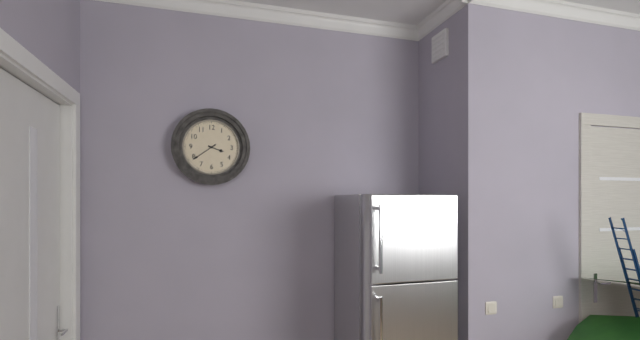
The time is 3:39
